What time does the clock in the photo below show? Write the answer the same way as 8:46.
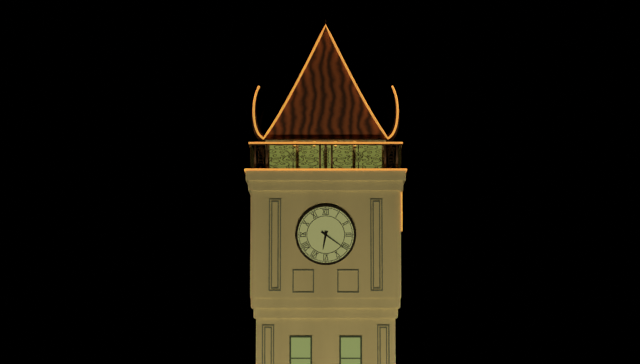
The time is 6:21
